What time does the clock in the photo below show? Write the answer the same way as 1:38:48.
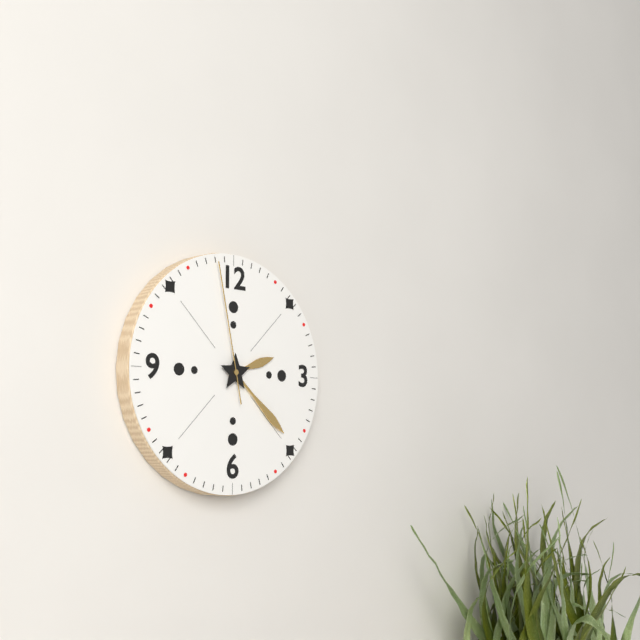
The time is 2:22:58
